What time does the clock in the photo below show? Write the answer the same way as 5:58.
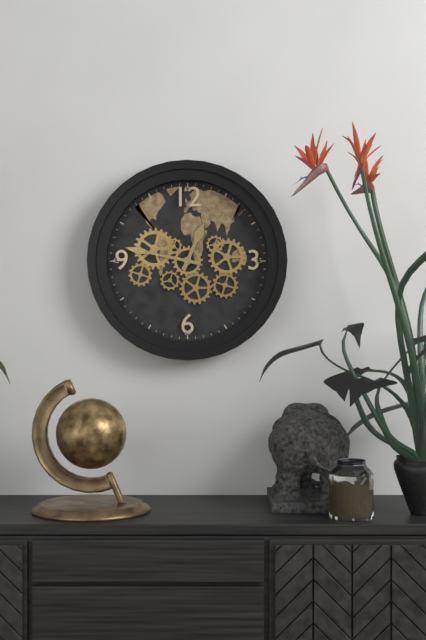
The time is 12:47
